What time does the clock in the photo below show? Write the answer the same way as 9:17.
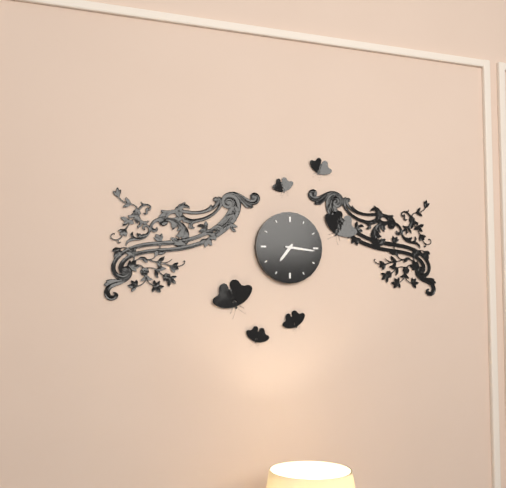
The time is 7:16
